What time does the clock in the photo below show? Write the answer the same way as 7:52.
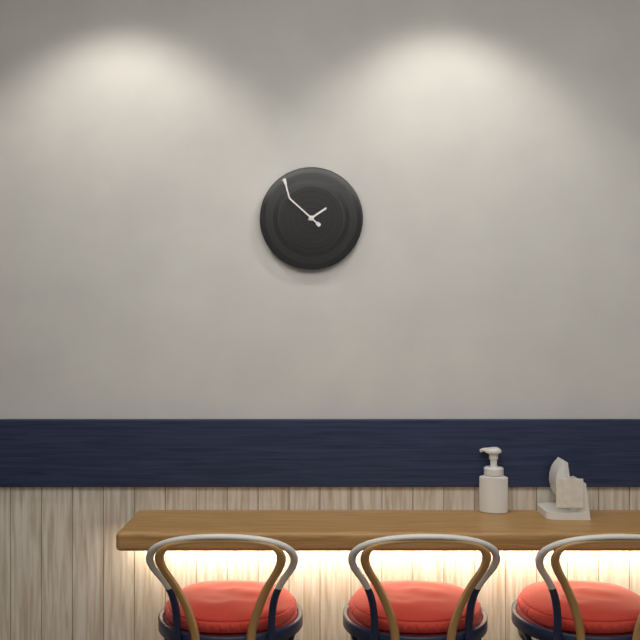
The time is 1:52
